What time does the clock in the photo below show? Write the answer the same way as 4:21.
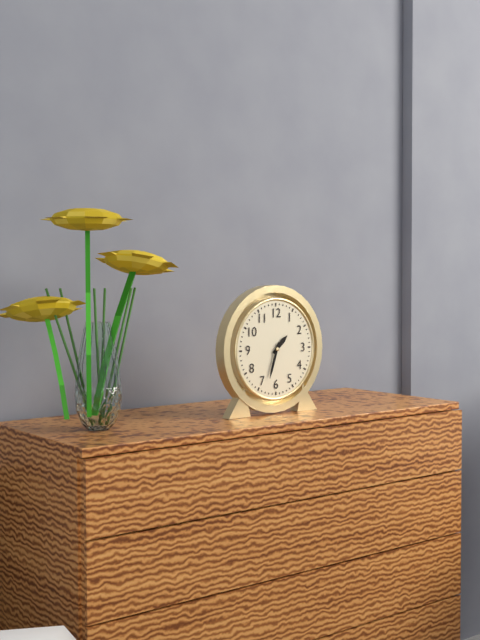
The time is 1:33
